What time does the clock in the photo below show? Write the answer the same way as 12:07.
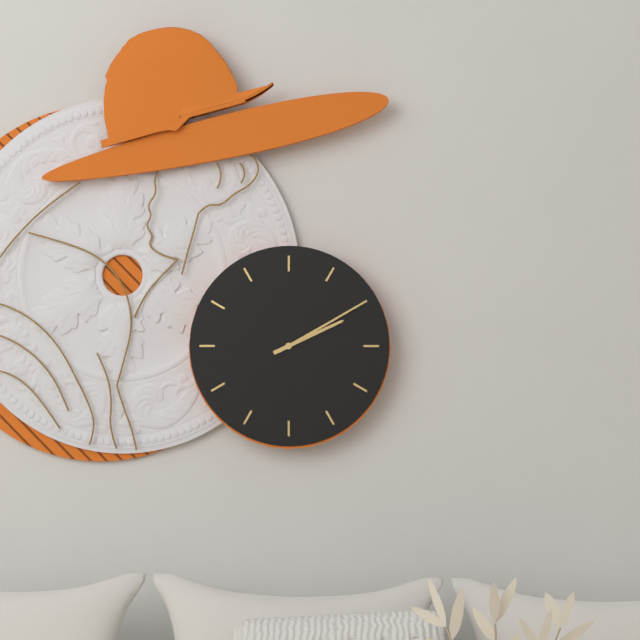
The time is 2:10
